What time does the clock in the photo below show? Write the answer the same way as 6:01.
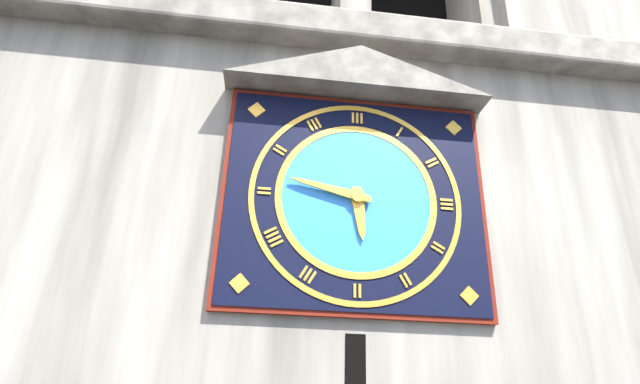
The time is 5:47
